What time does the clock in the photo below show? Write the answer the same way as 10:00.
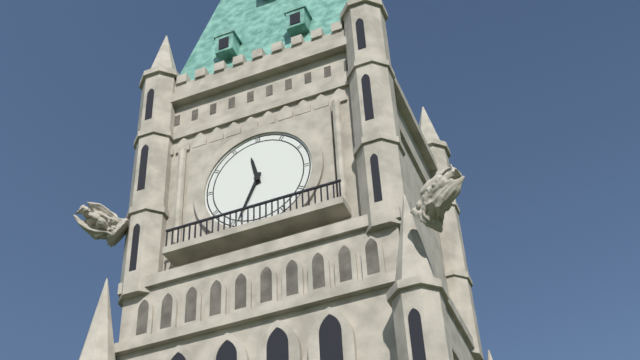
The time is 11:34
